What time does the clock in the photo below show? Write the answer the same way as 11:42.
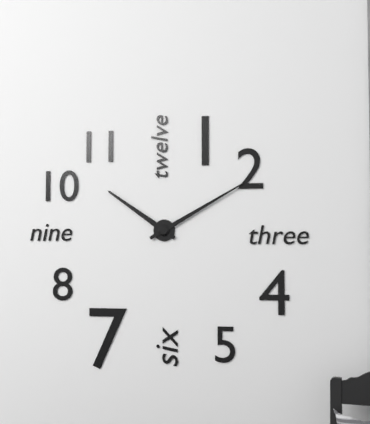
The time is 10:10
